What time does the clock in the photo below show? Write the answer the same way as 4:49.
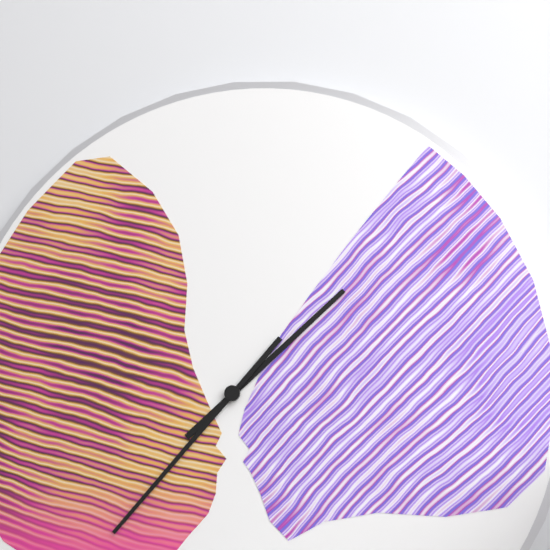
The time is 1:37
